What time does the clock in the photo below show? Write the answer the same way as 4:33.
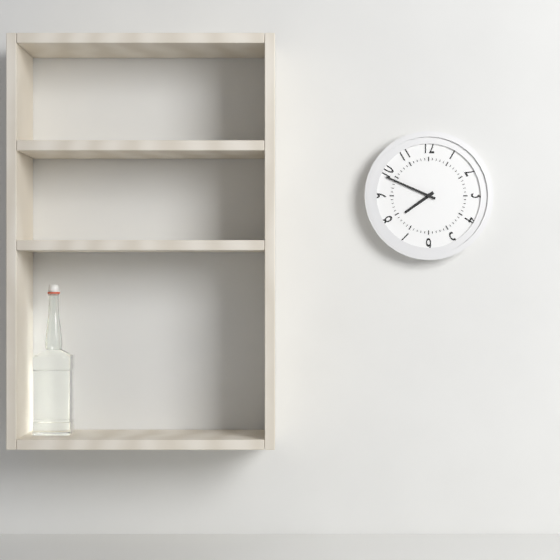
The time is 7:49
